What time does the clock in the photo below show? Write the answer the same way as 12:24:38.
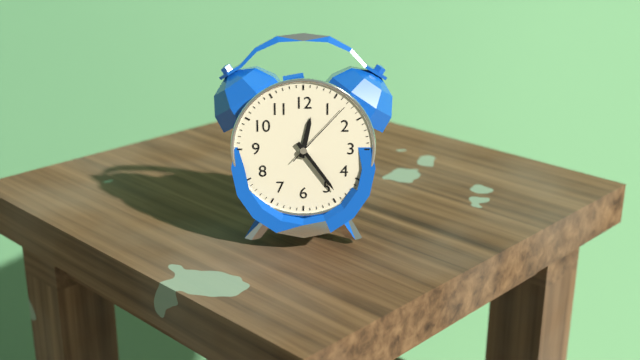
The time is 12:24:07
